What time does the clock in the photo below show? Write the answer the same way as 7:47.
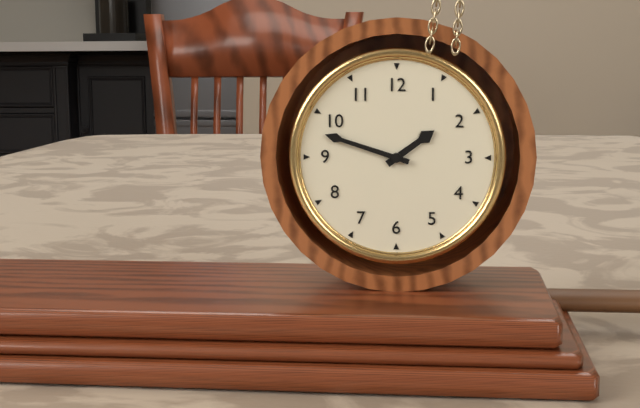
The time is 1:48
